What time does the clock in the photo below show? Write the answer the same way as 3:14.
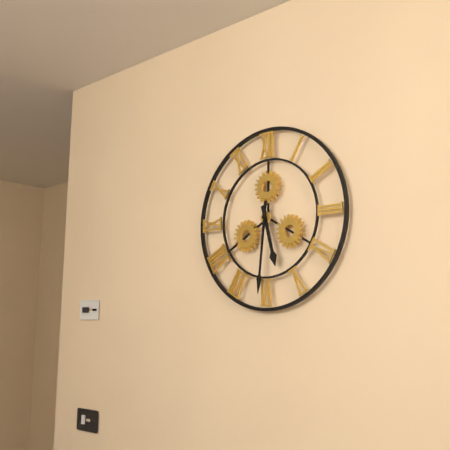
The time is 5:31
